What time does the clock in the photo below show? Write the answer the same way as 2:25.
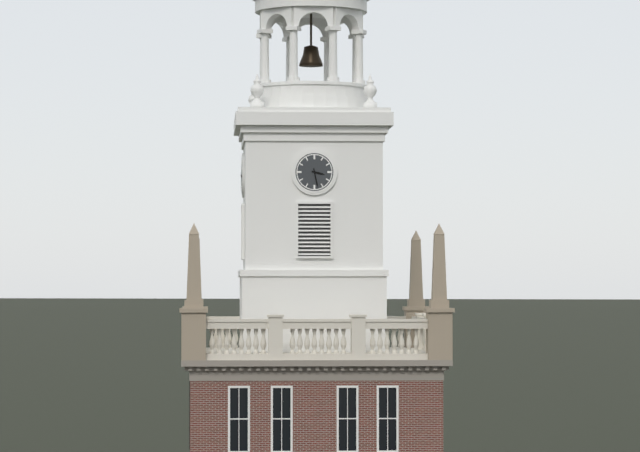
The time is 3:28
